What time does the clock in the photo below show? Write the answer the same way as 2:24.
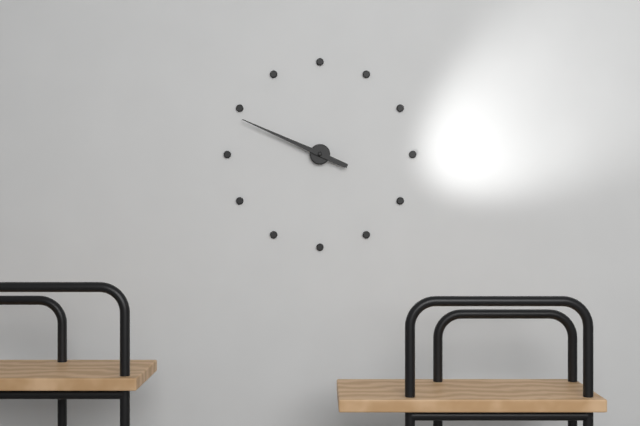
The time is 9:49
